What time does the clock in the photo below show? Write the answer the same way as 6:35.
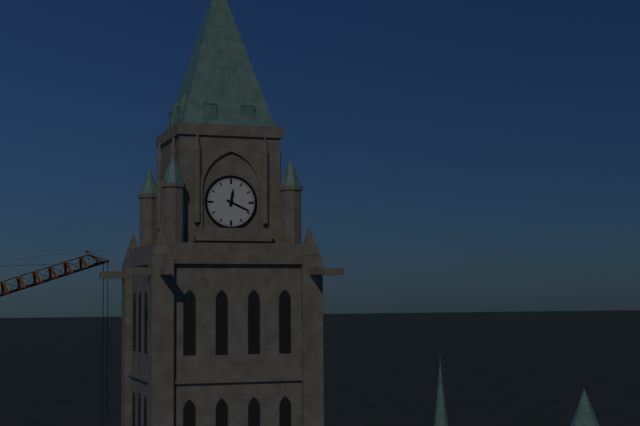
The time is 12:19
